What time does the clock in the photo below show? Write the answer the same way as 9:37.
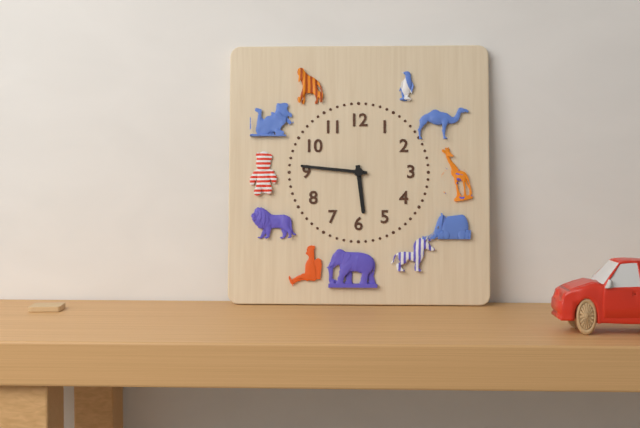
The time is 5:46
